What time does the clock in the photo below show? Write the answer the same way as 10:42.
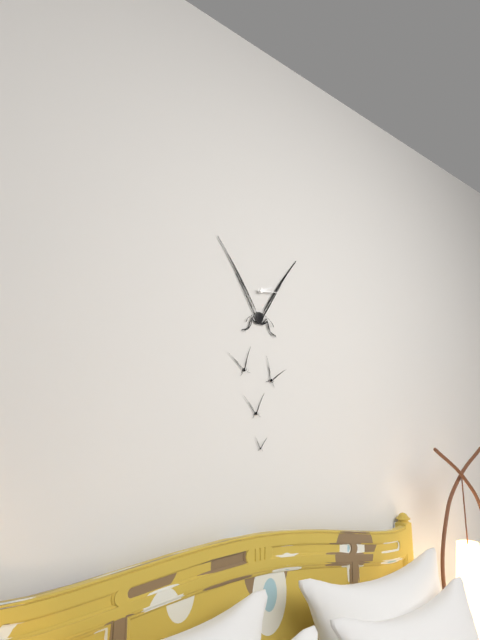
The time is 2:14
